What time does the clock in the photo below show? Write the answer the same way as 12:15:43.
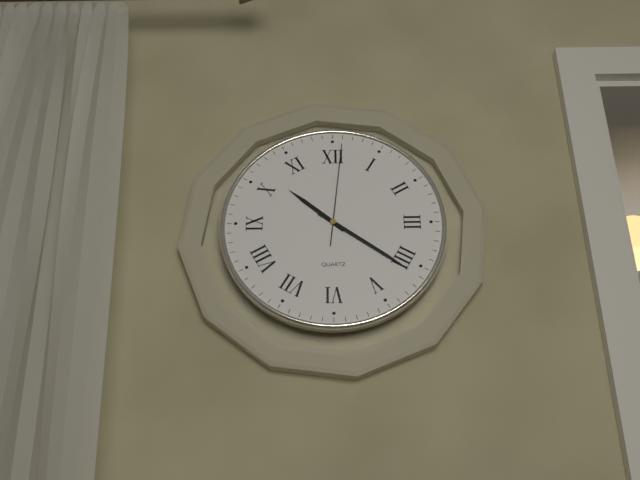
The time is 10:21:01
